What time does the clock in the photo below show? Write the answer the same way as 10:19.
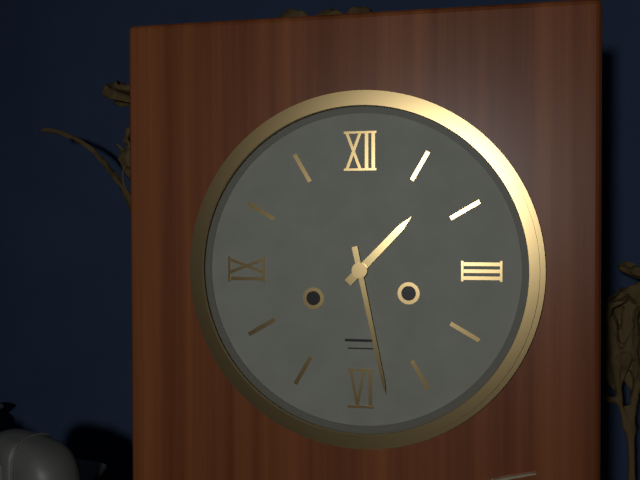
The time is 1:28
